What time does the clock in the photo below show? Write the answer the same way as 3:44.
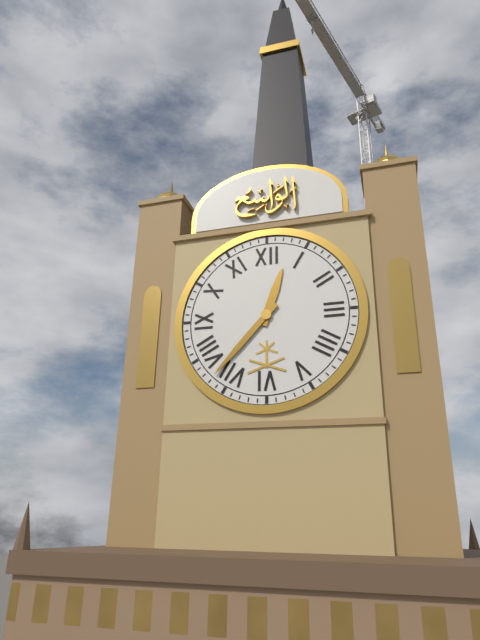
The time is 12:37
